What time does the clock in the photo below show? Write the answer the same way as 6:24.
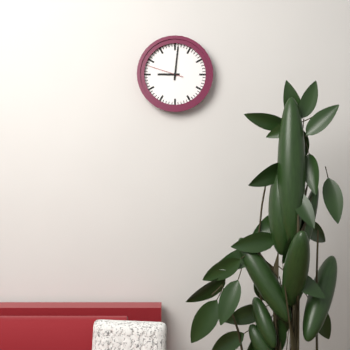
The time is 9:01
